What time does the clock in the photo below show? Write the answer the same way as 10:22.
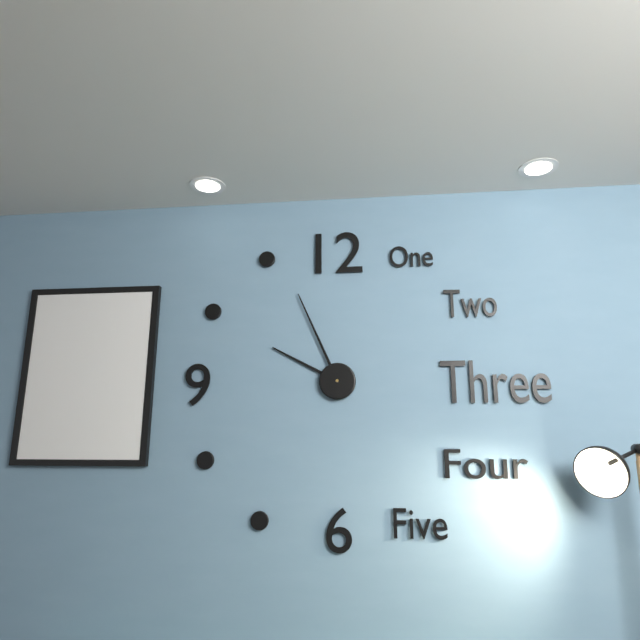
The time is 9:56
